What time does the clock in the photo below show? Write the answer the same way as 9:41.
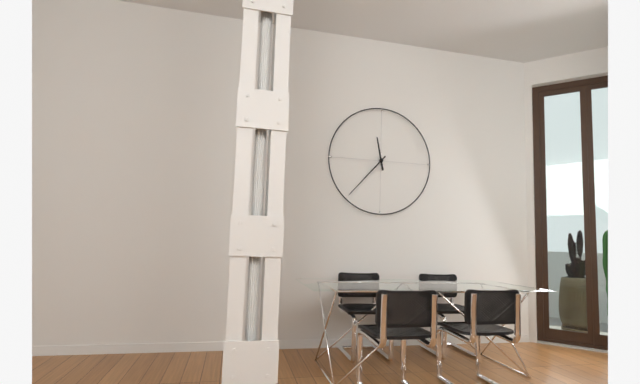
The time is 11:37
